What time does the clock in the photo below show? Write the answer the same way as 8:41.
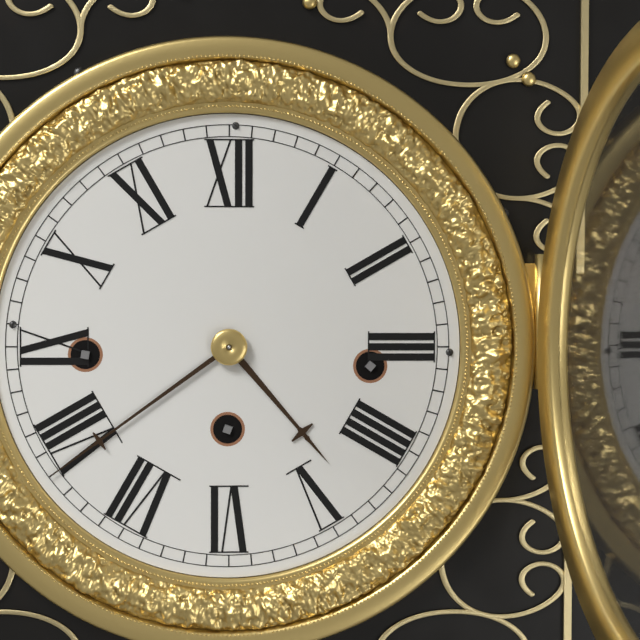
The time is 4:39
